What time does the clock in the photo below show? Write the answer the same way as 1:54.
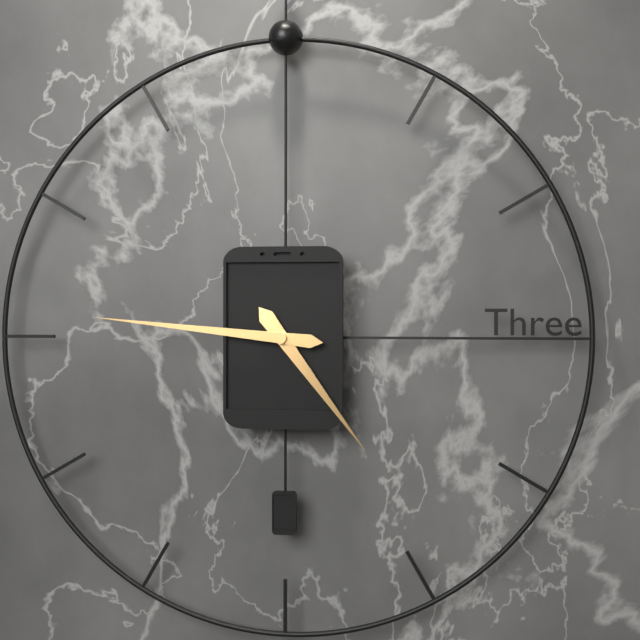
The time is 4:46
